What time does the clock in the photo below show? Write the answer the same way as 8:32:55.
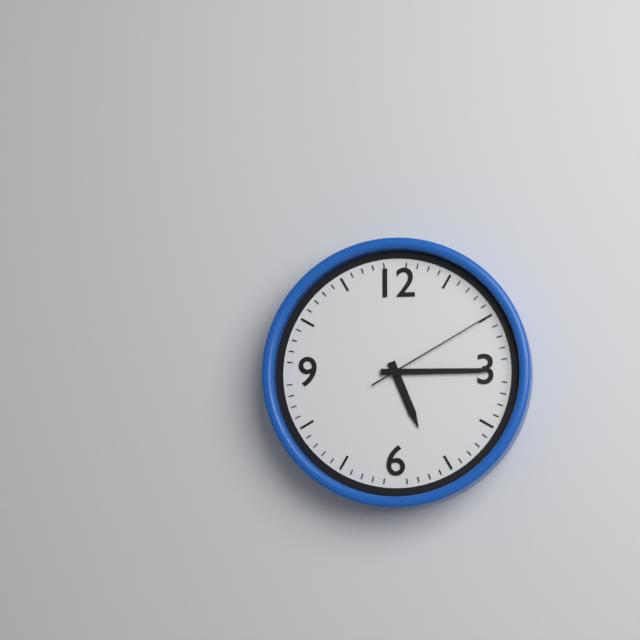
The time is 5:15:10
